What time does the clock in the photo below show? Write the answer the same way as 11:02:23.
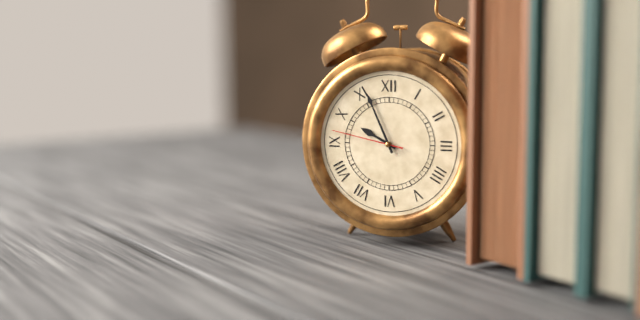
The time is 9:56:47
